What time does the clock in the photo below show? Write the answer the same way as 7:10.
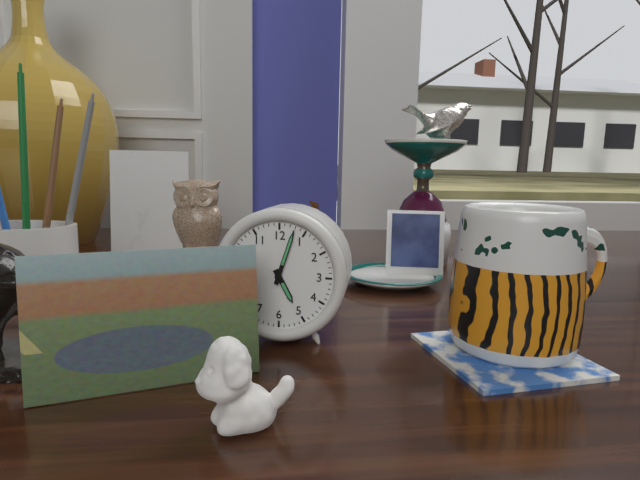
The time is 5:03
